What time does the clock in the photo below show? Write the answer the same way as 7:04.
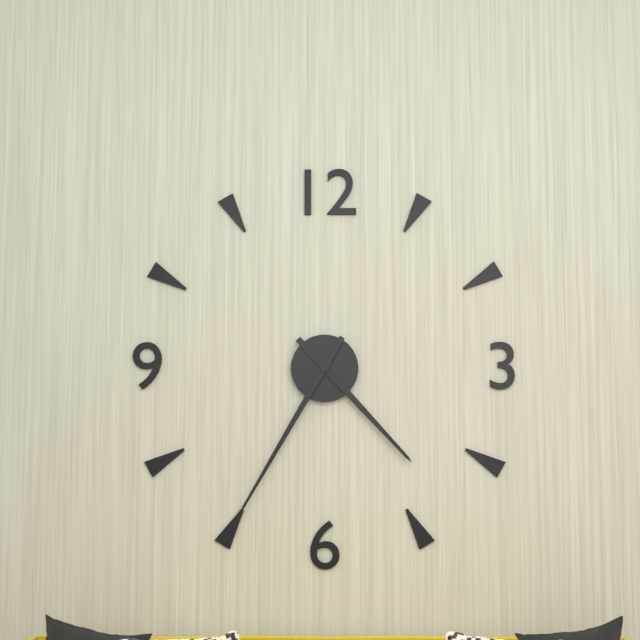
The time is 4:35
